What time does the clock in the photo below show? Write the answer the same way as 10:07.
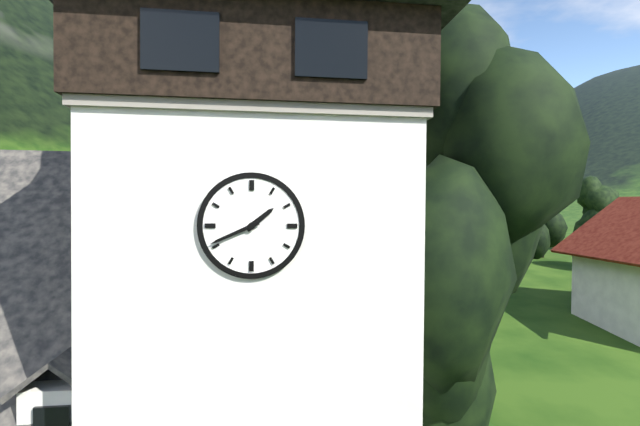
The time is 1:41
